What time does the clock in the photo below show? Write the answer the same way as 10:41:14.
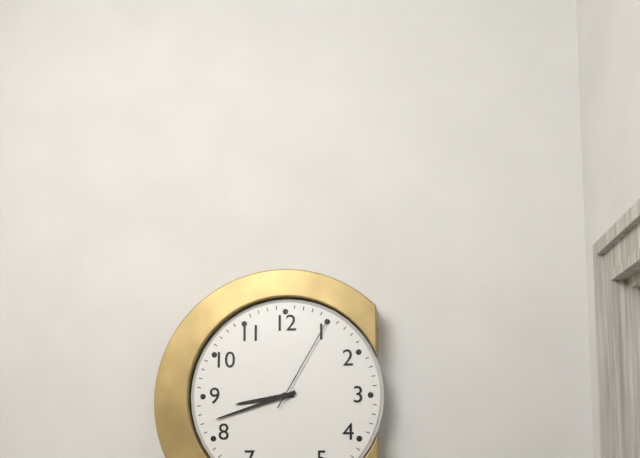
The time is 8:42:05
